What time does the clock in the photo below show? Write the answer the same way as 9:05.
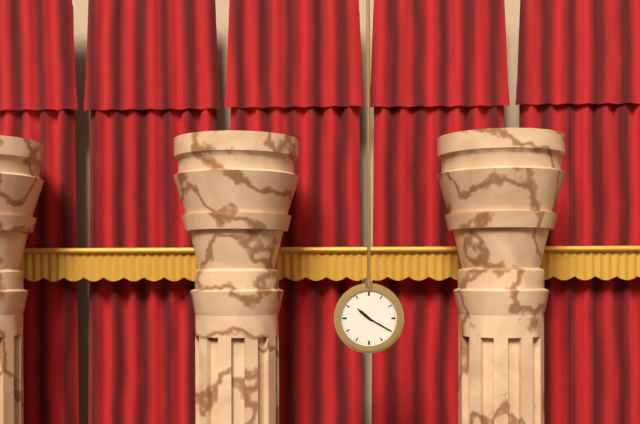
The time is 10:20
